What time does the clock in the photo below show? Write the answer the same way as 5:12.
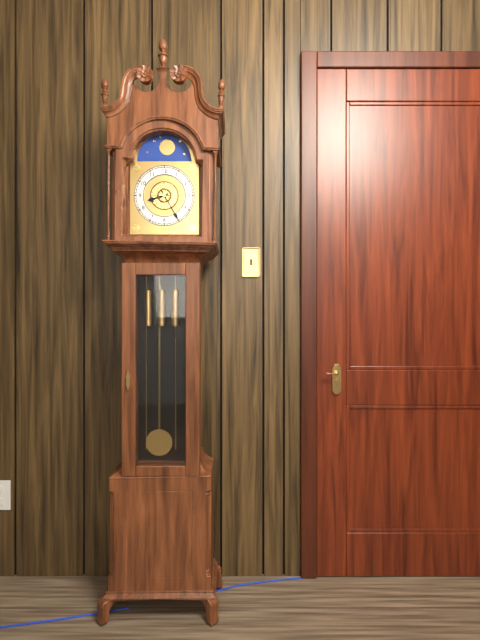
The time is 8:25
